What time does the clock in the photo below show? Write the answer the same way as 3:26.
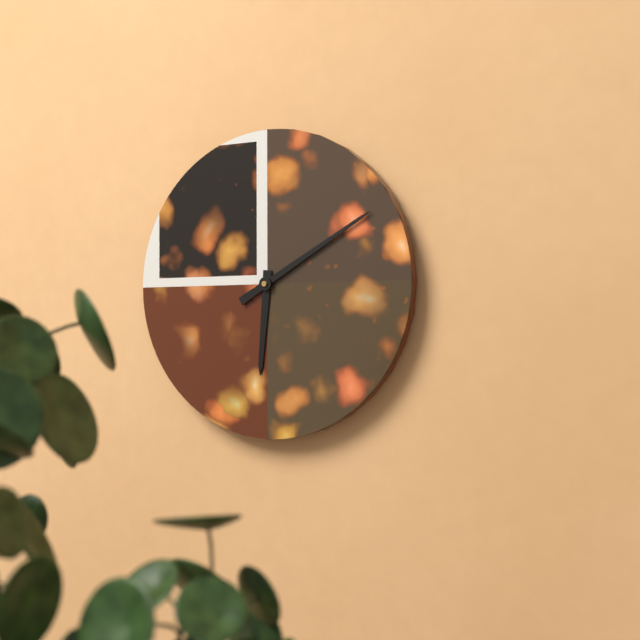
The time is 6:10
